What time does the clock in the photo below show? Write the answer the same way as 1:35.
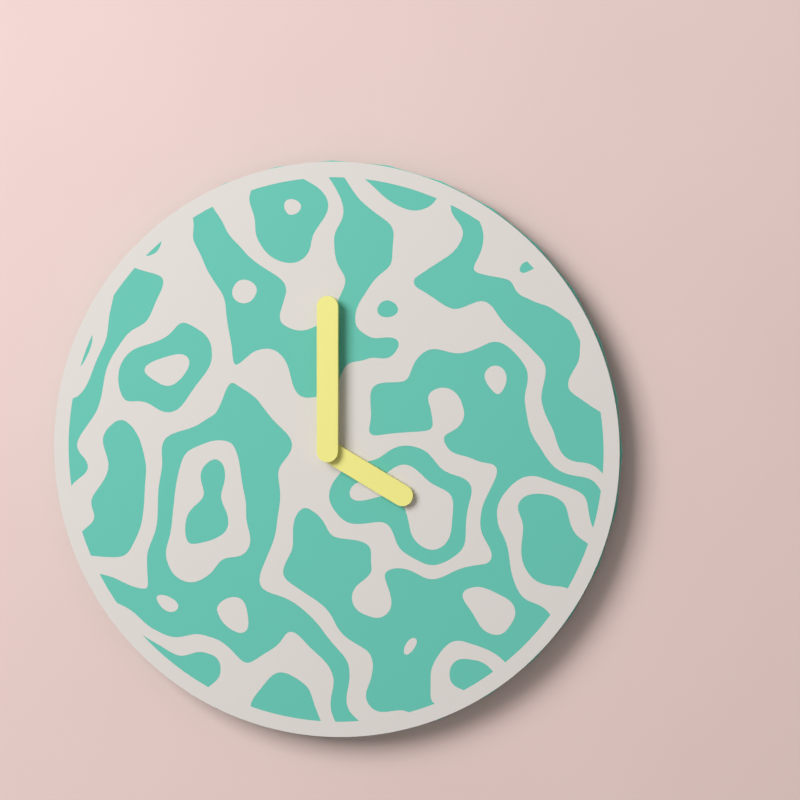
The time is 4:00
